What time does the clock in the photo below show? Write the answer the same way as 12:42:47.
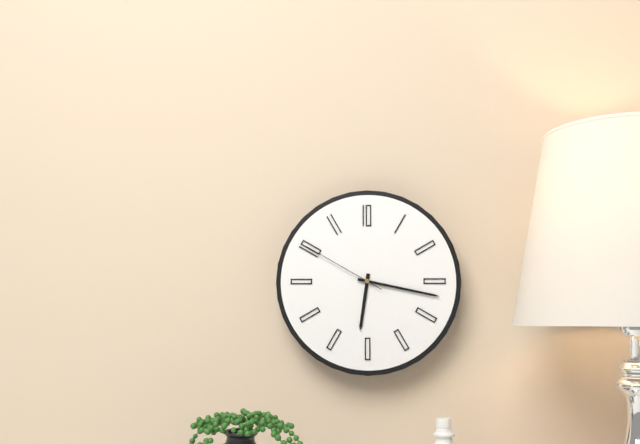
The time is 6:17:50
